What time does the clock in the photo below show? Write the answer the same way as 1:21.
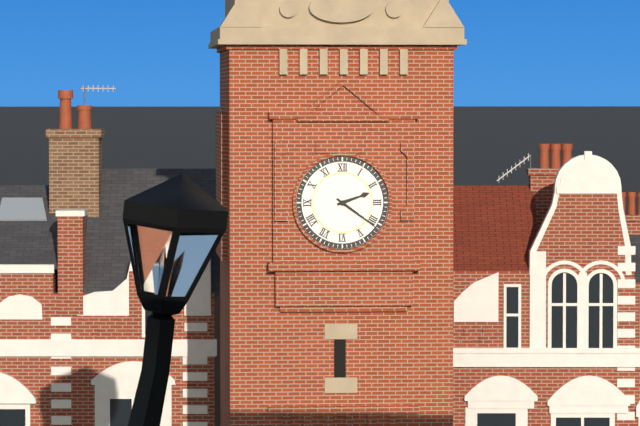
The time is 2:21
